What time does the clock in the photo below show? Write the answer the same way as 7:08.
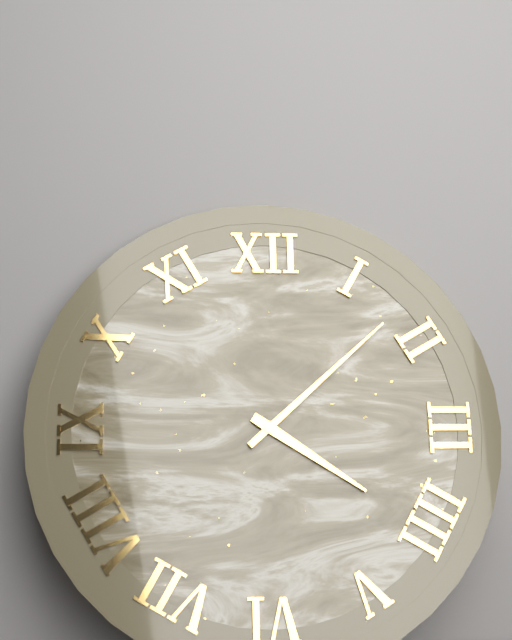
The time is 4:08
